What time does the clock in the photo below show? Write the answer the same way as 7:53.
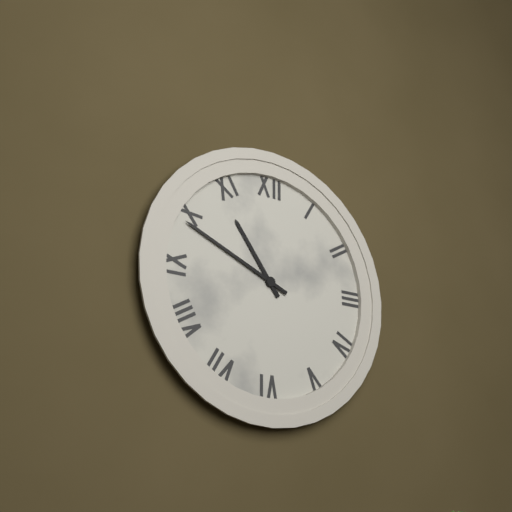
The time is 10:49
